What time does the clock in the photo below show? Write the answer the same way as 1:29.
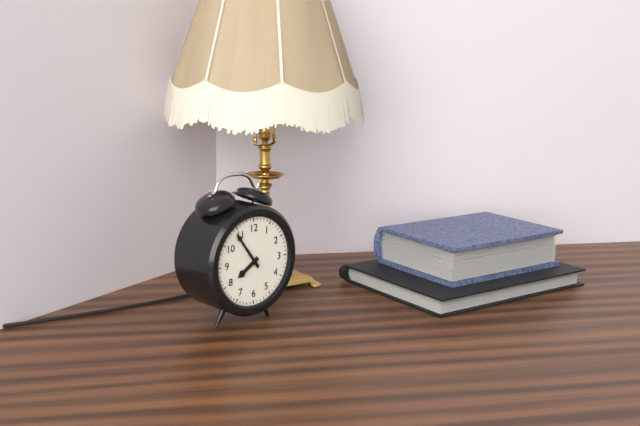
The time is 7:54
